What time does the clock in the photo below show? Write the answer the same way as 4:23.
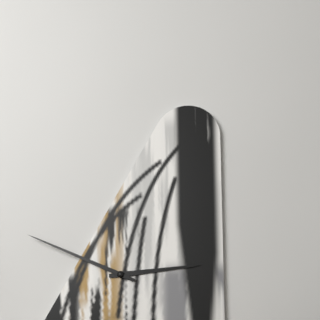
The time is 2:49
